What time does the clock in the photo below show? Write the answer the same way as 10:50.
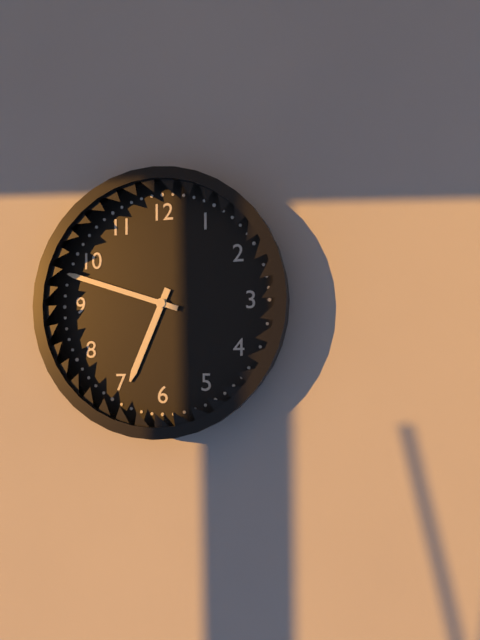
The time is 6:48
